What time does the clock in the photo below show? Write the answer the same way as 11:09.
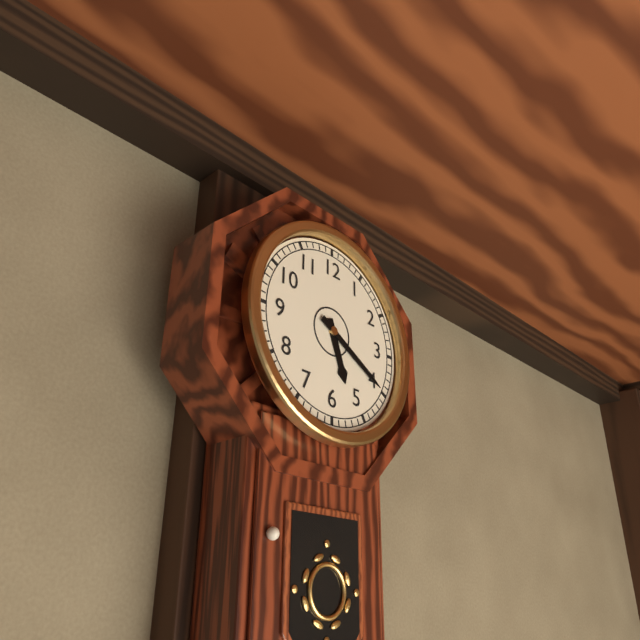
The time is 5:20
